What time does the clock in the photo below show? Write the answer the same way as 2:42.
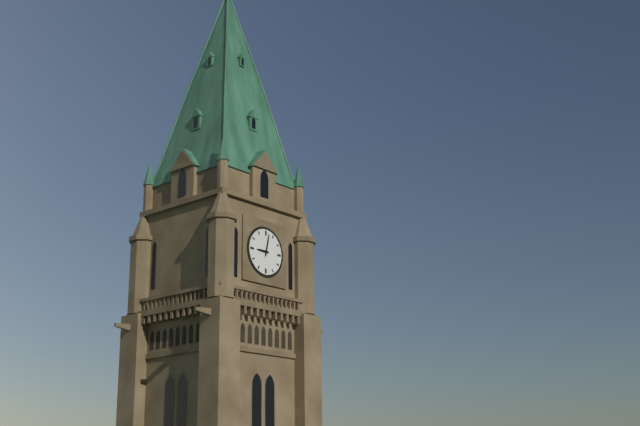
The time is 9:02
